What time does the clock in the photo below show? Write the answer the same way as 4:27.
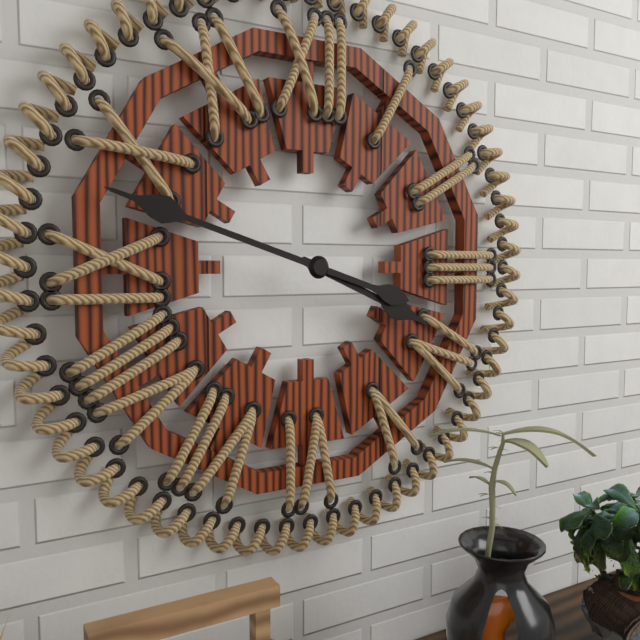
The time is 3:48
